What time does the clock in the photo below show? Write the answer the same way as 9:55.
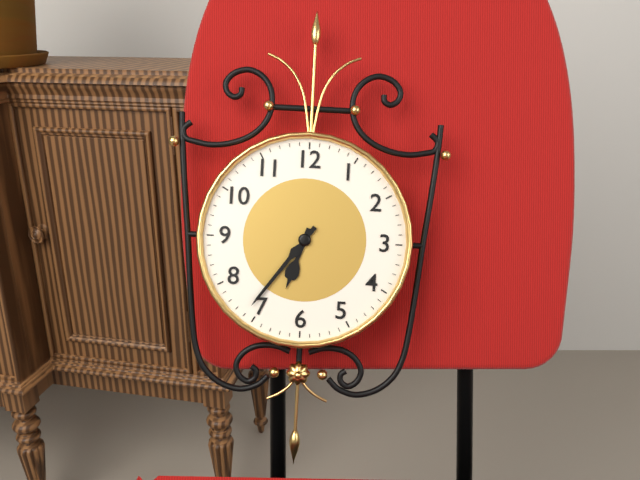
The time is 6:36
